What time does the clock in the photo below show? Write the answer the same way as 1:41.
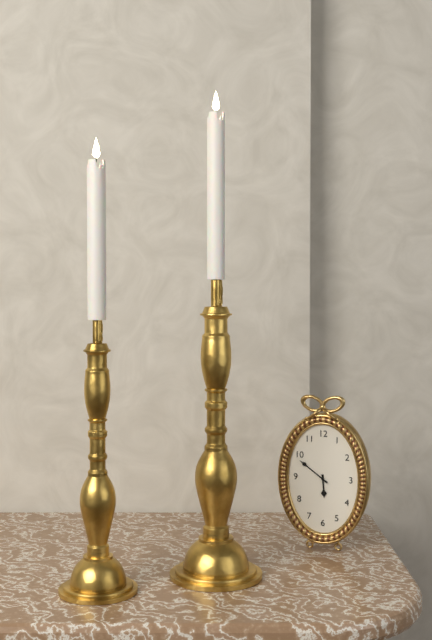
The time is 5:51
